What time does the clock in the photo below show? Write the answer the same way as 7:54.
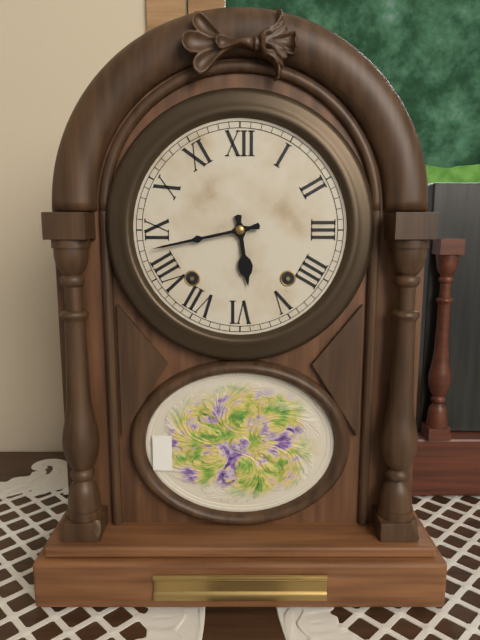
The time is 5:43
